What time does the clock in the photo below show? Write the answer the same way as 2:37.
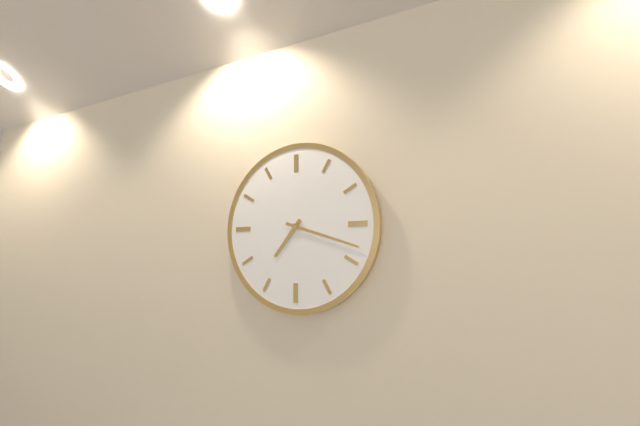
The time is 7:18
